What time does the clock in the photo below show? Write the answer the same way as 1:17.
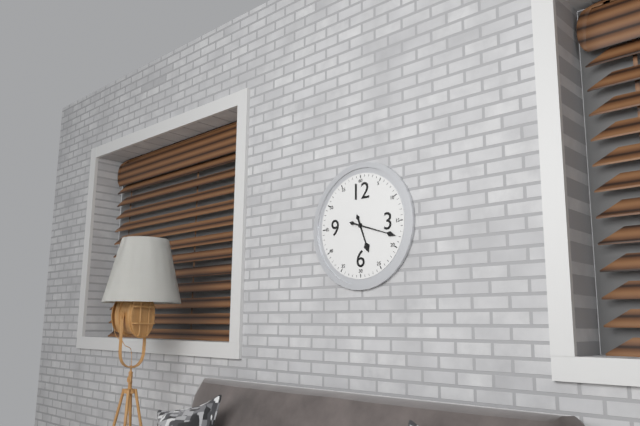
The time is 5:18
